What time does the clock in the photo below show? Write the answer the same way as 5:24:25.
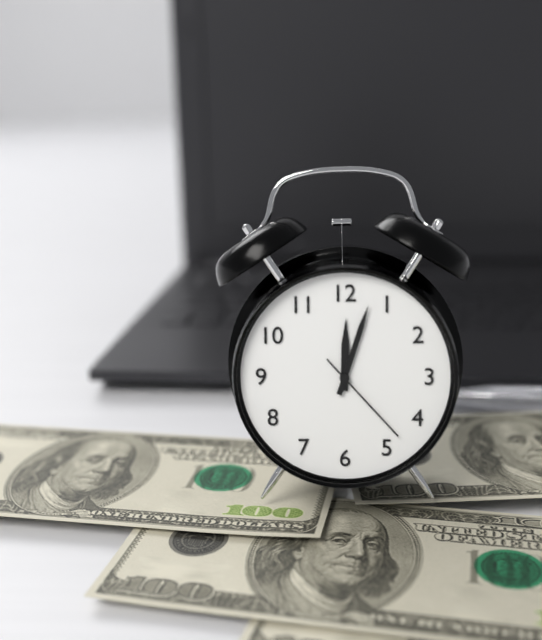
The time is 12:03:23
